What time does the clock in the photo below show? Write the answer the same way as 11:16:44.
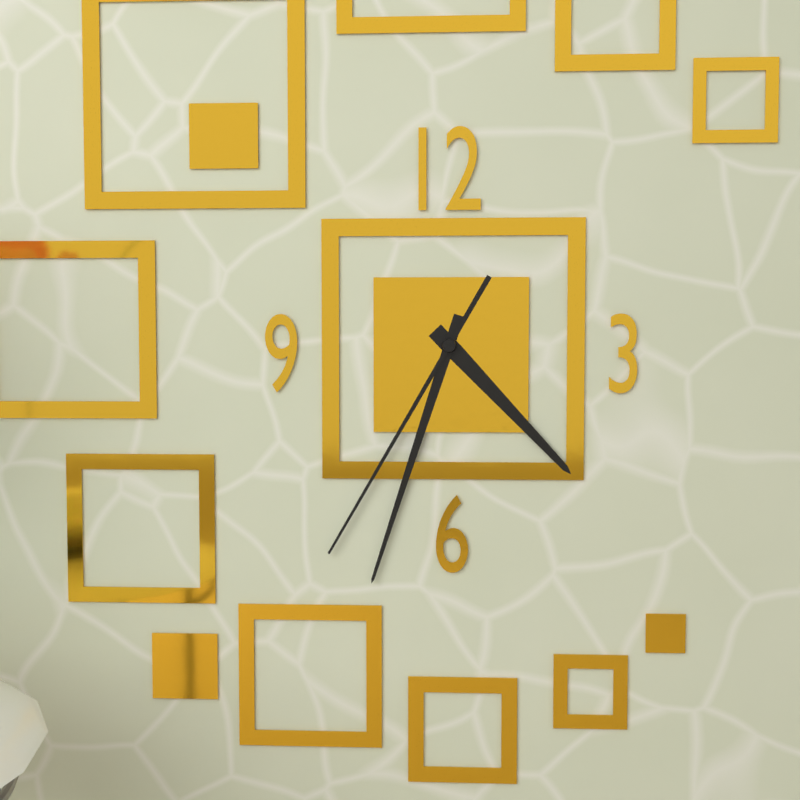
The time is 4:33:35
